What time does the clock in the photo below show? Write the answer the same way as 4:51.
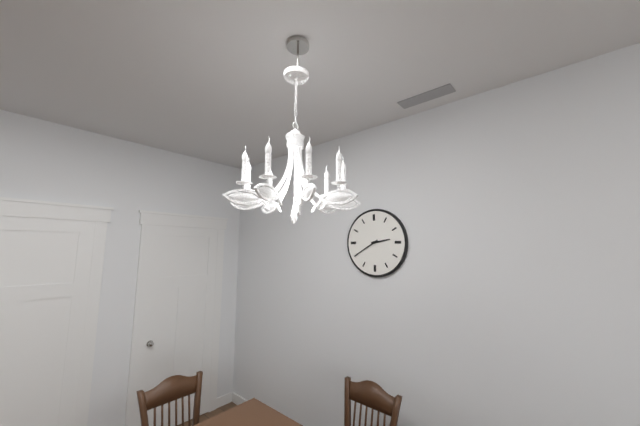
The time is 2:40
